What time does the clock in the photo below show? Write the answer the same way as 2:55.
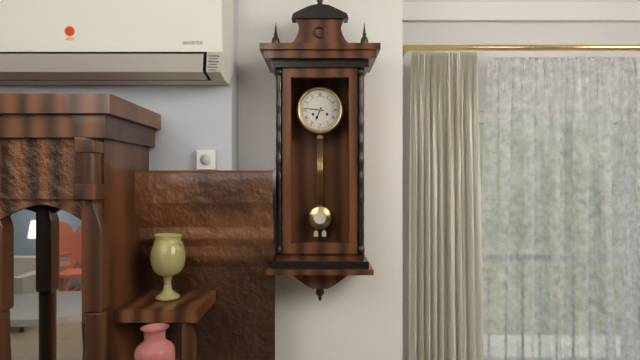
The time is 6:46
